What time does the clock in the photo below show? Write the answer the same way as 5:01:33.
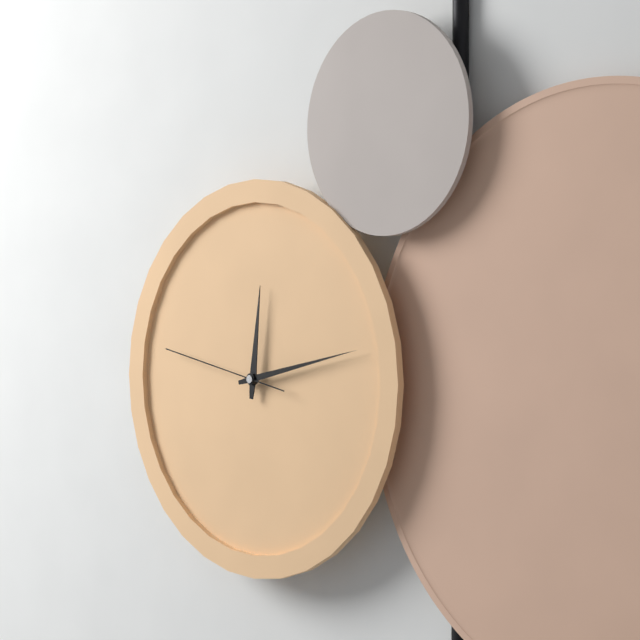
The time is 12:13:47
